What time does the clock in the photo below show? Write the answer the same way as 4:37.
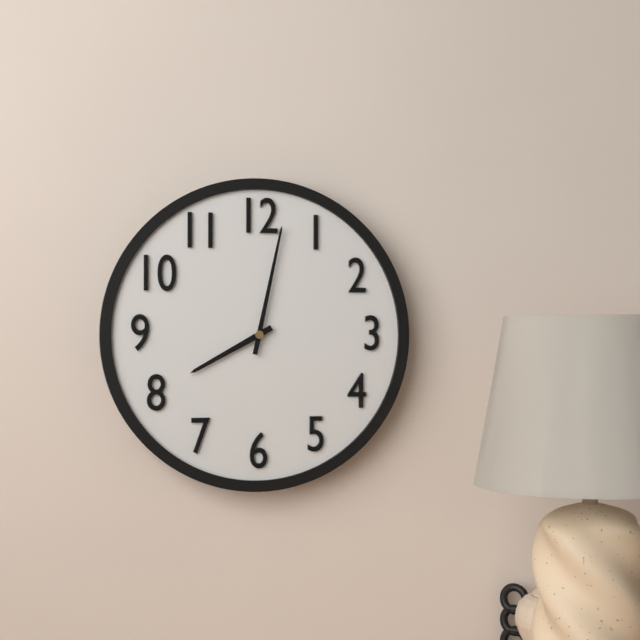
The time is 8:02
